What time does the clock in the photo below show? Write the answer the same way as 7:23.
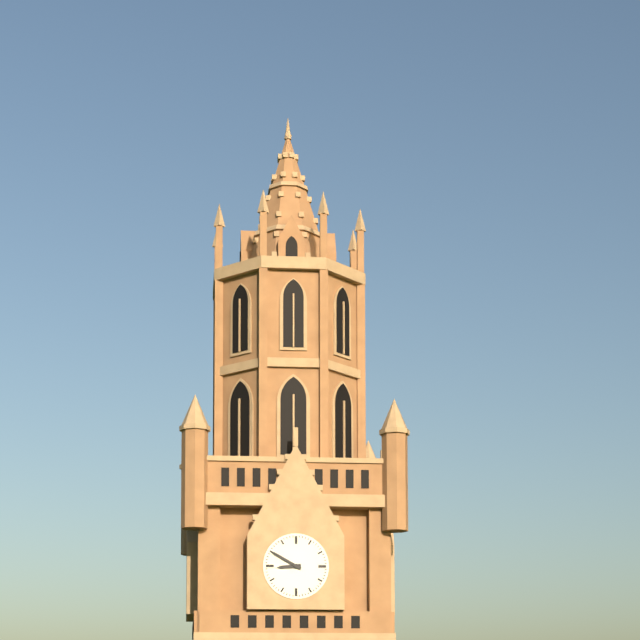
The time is 8:50
